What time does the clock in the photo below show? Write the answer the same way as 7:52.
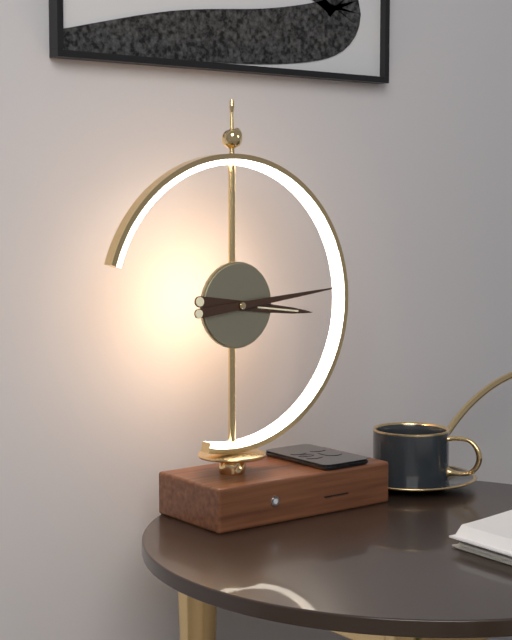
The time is 3:14
